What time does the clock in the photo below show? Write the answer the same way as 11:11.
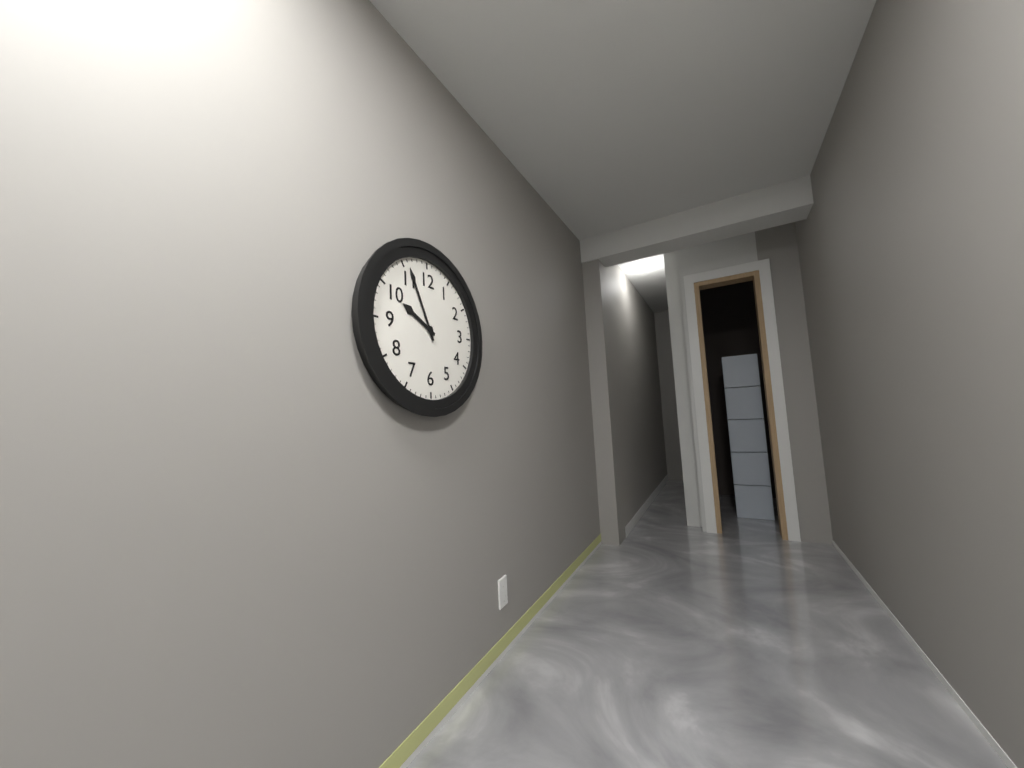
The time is 9:56
